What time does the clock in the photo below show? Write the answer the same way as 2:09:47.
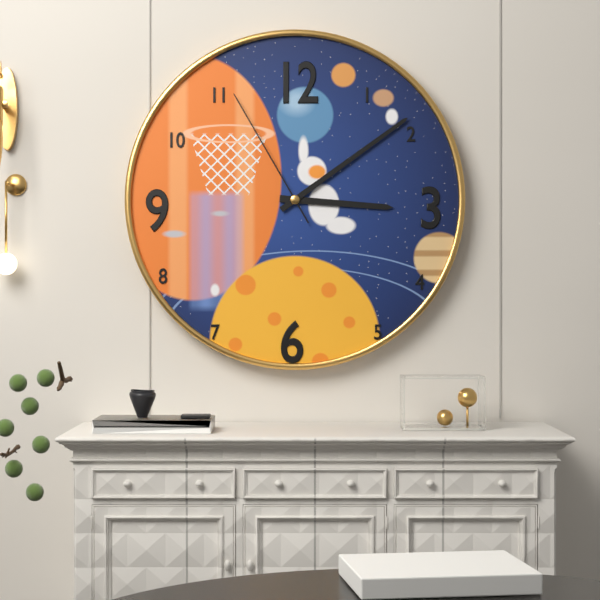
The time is 3:09:55
